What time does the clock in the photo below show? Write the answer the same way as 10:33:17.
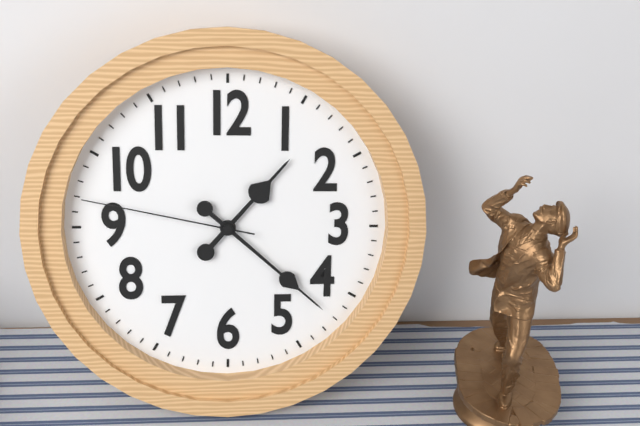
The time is 1:22:47
